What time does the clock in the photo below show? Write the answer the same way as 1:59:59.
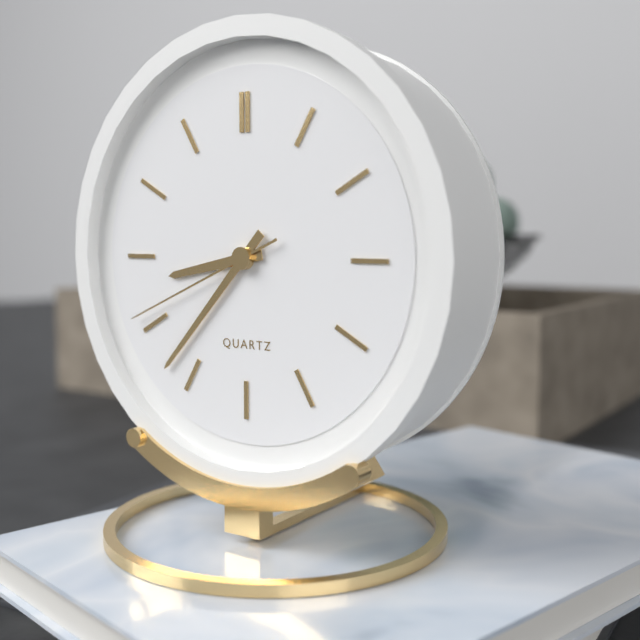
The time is 8:37:41
